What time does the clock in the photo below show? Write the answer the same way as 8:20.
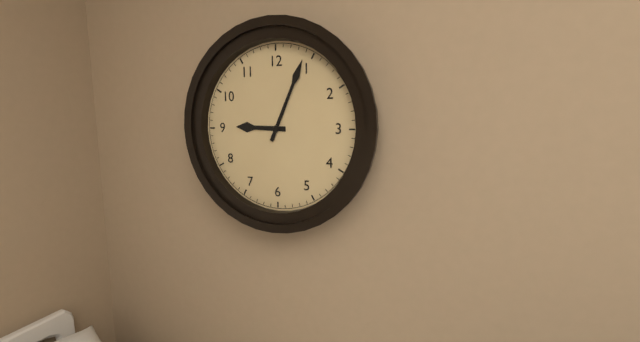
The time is 9:04
